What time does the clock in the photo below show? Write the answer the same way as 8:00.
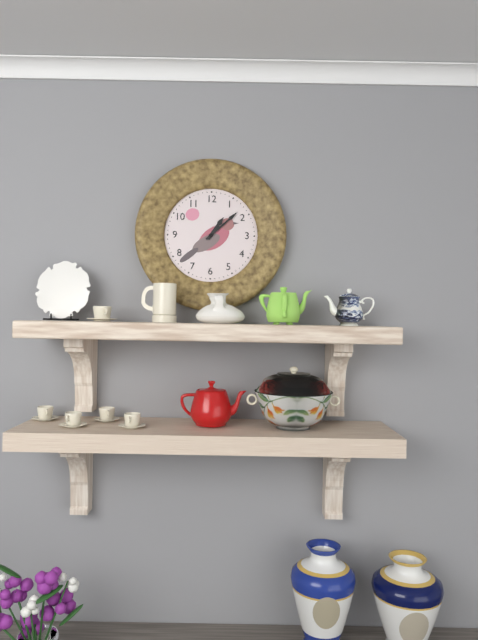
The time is 1:08
